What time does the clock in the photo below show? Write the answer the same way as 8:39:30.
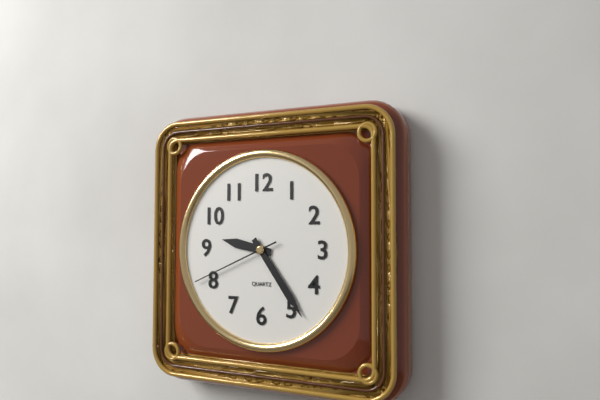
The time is 9:24:41
